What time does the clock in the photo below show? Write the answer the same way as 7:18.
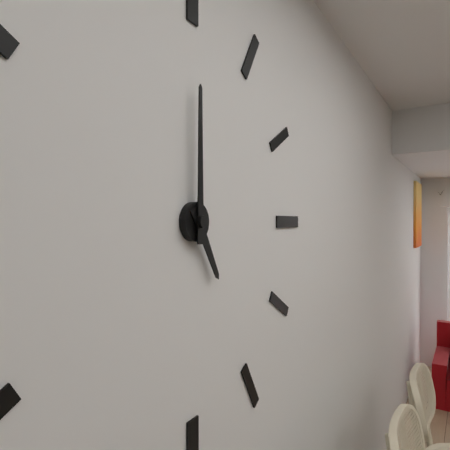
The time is 5:00
